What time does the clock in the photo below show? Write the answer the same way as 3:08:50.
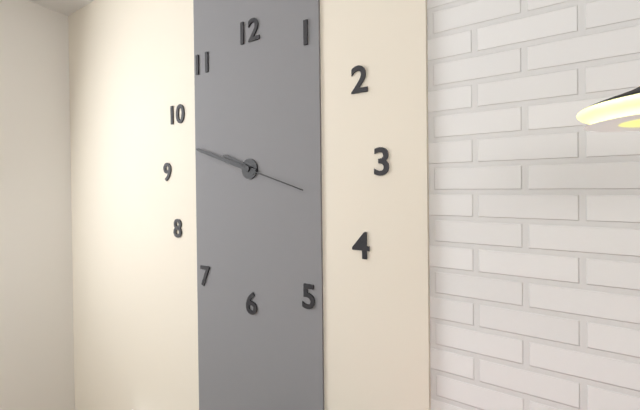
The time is 9:48:18
